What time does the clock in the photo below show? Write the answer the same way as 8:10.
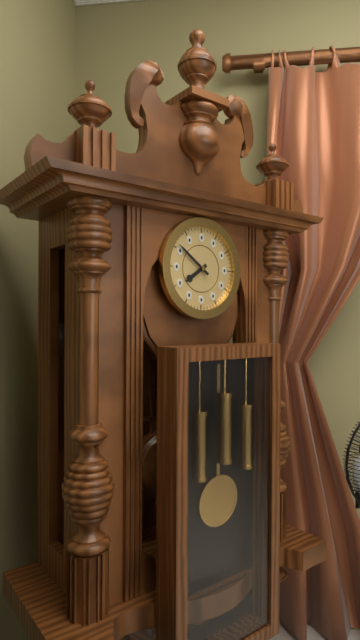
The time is 7:51
